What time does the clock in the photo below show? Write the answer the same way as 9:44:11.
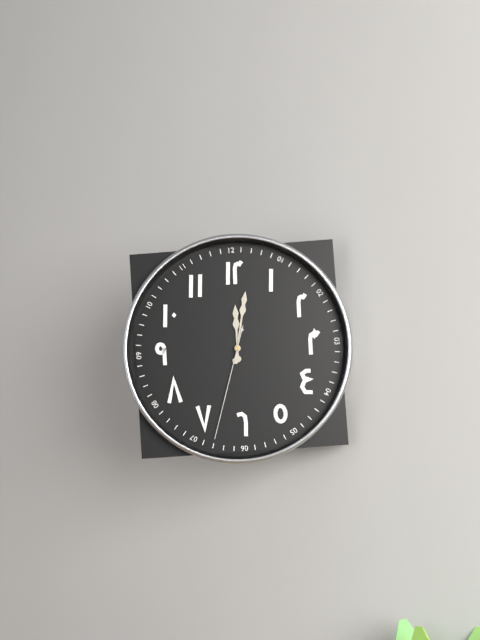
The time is 12:02:33
